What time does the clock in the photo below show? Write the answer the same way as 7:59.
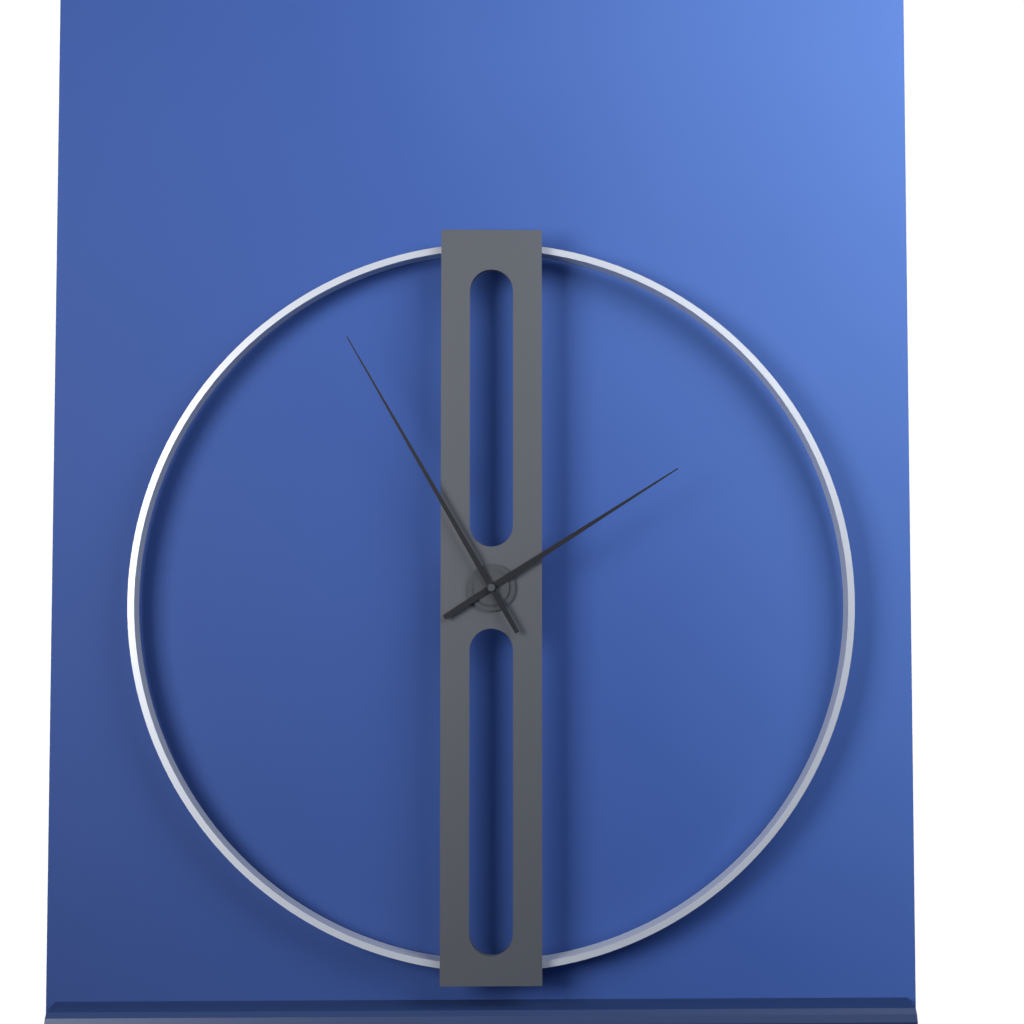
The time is 1:55
